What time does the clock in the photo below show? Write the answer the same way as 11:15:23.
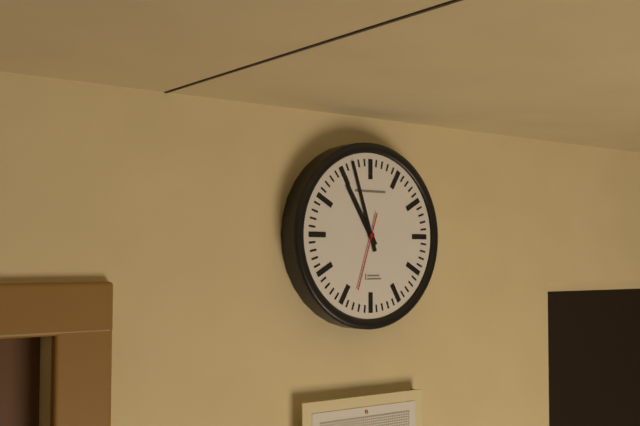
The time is 10:57:33
